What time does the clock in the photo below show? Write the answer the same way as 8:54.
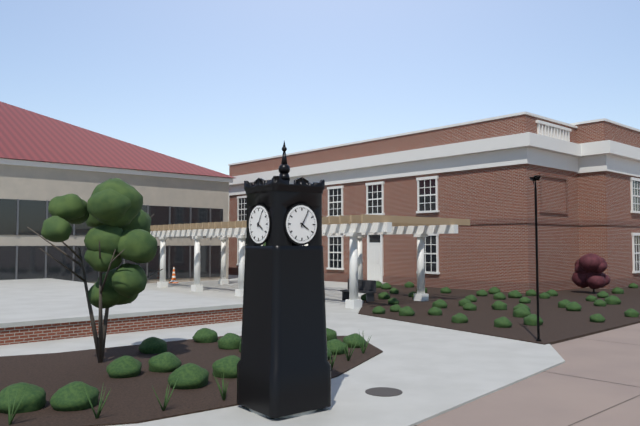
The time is 4:05
